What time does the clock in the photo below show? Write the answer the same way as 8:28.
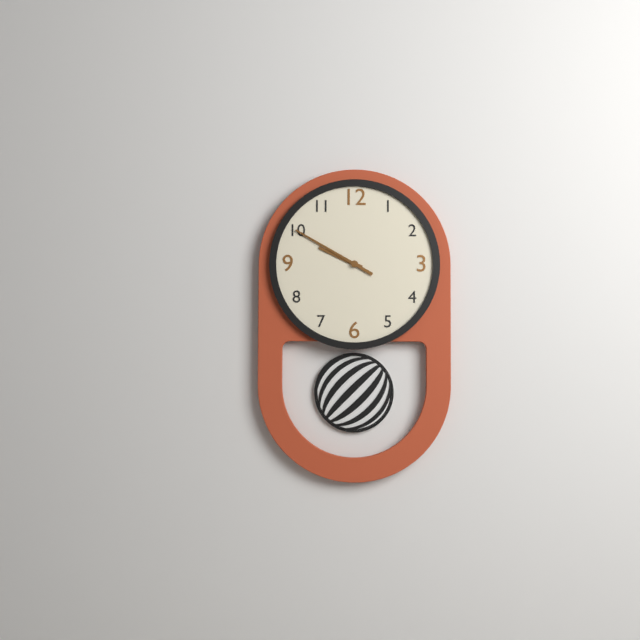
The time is 9:50
